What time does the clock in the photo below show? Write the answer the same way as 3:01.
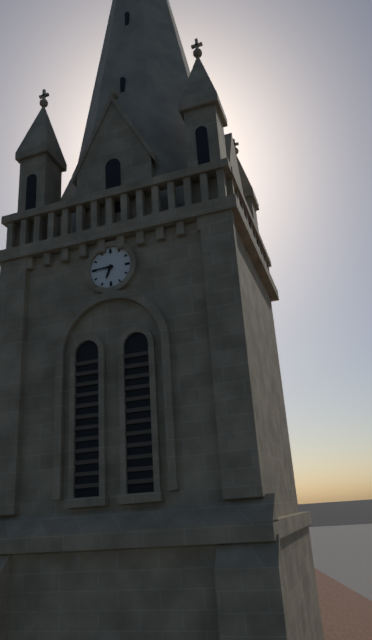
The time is 6:45
